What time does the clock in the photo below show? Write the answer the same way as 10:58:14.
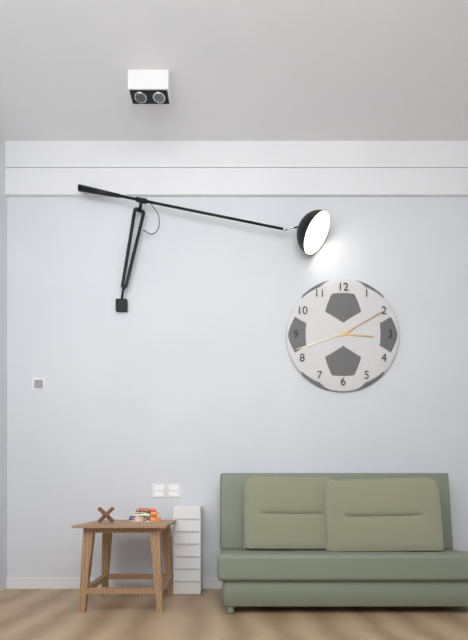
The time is 3:10:42
